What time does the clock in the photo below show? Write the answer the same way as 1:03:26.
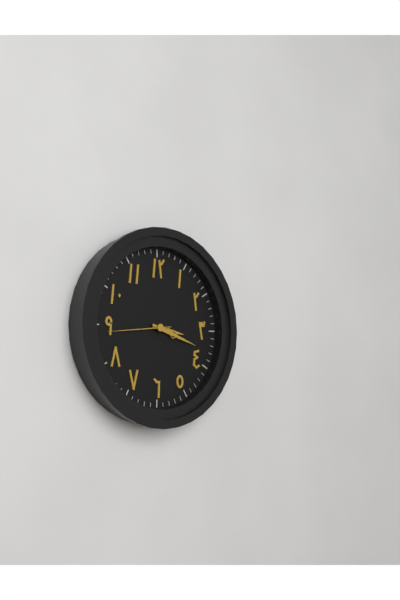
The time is 3:18:44
